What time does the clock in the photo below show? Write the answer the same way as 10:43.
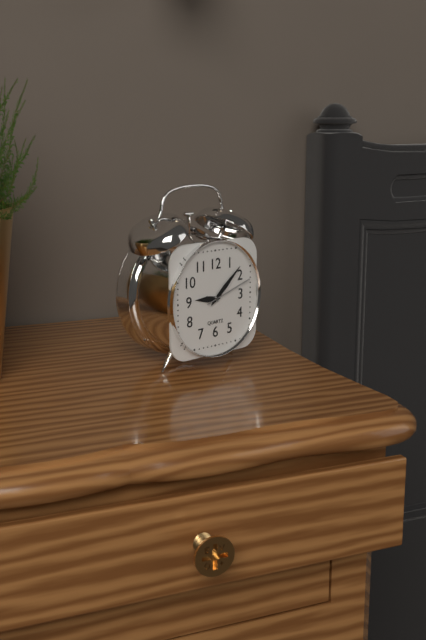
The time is 9:08
